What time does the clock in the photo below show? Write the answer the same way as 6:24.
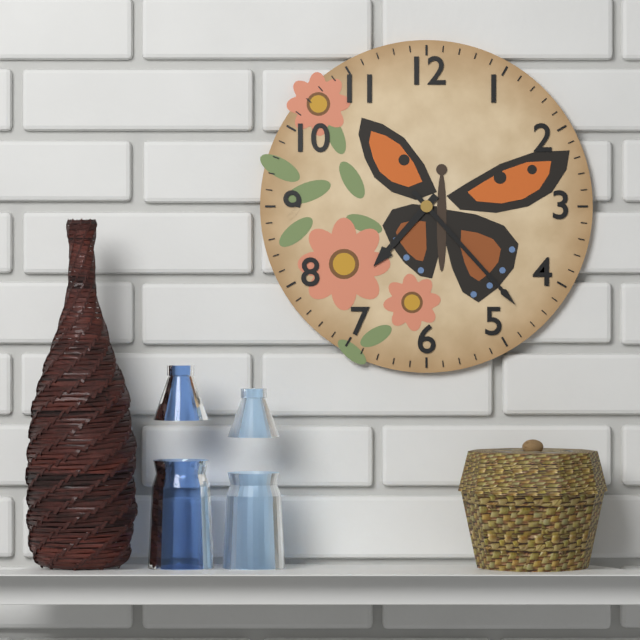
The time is 7:23
